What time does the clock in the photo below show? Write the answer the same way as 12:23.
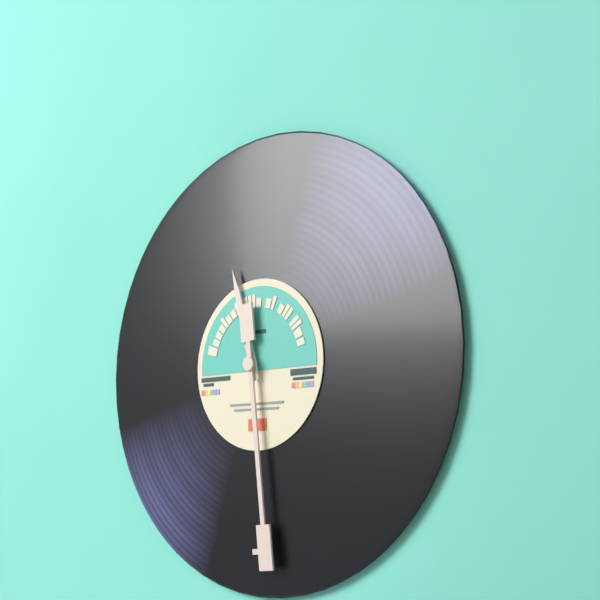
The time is 11:29
